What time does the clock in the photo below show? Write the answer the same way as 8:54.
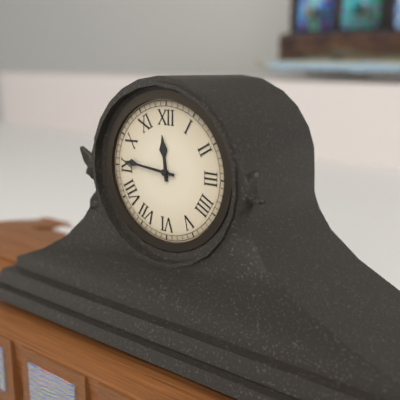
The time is 11:46
